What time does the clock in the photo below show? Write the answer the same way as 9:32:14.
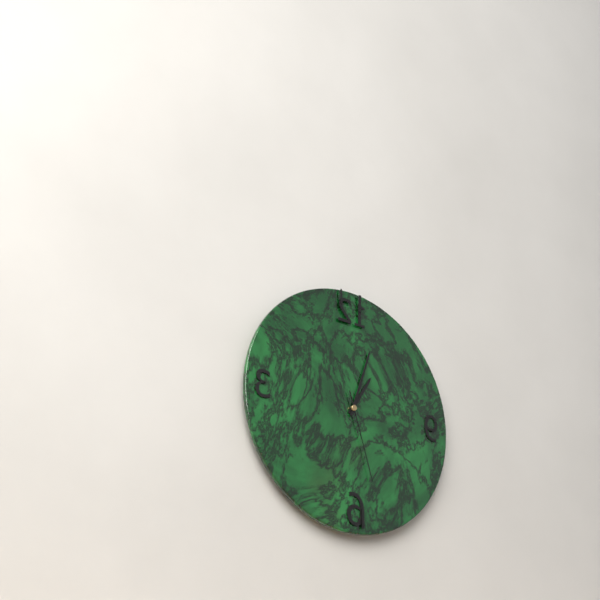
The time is 1:03:27
